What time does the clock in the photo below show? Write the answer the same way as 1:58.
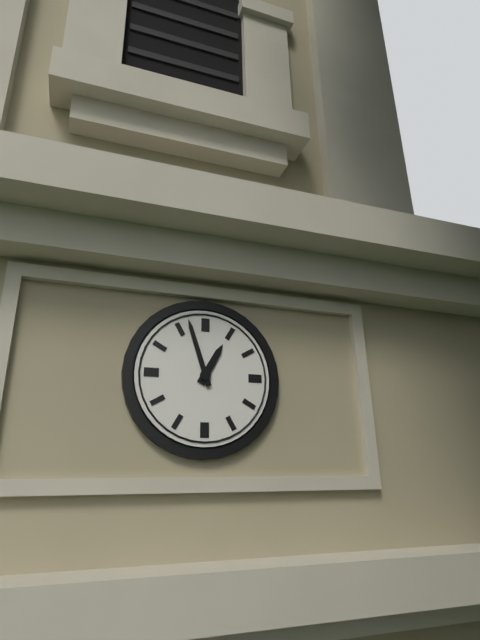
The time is 12:57
